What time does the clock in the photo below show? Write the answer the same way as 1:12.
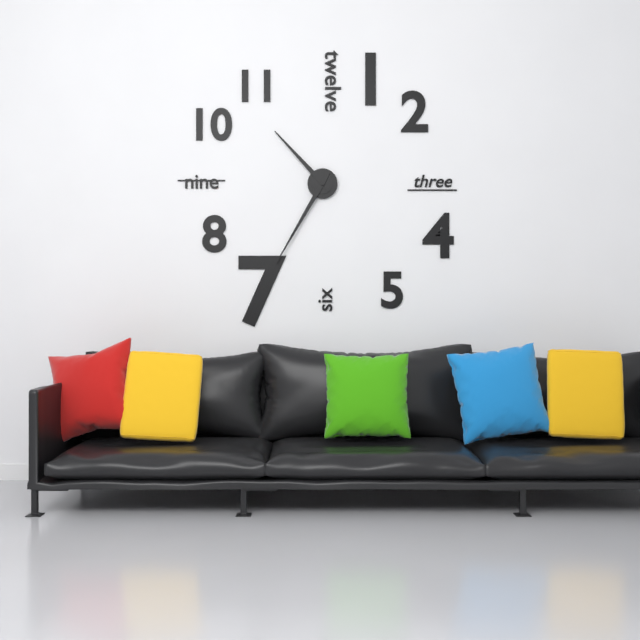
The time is 10:35
